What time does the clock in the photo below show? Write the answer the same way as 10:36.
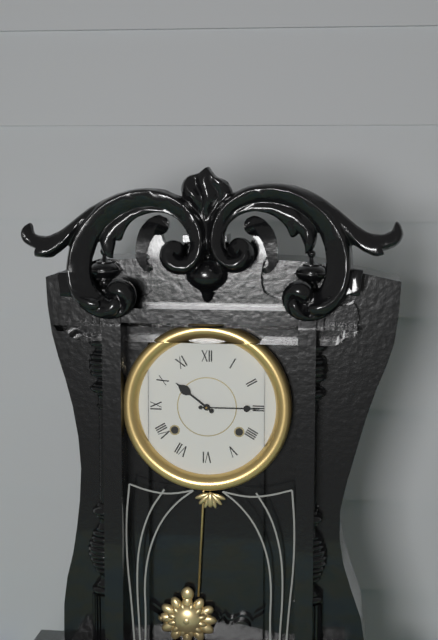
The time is 10:15
